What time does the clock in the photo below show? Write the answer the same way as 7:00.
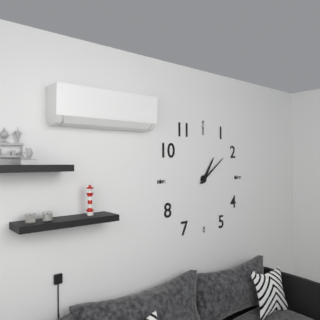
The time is 1:09
